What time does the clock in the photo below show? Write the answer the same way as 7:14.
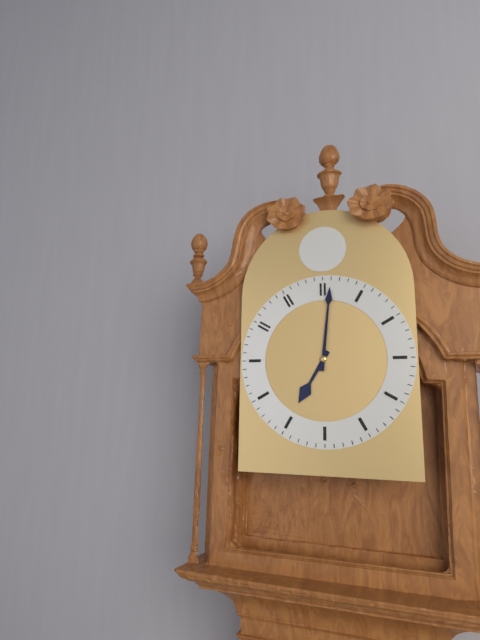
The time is 7:01
